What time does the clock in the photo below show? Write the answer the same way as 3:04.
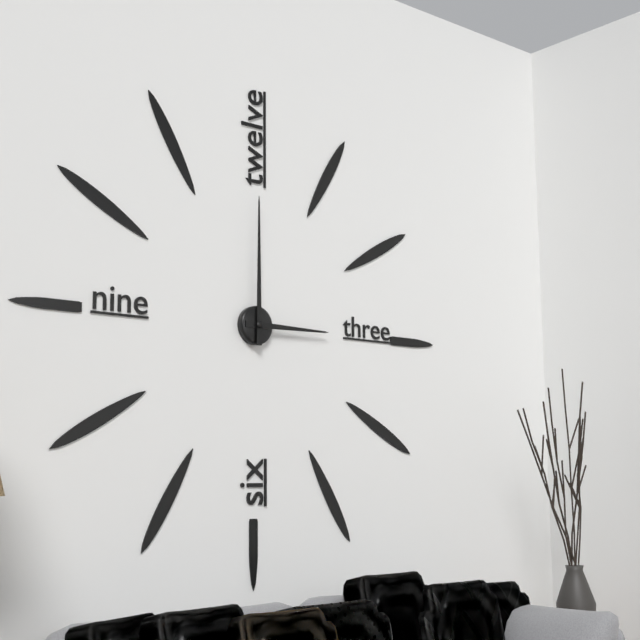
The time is 3:00
